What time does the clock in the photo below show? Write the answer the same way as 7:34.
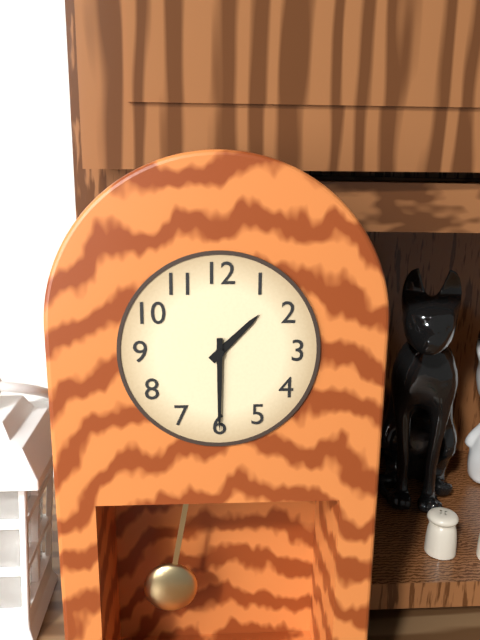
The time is 1:30
